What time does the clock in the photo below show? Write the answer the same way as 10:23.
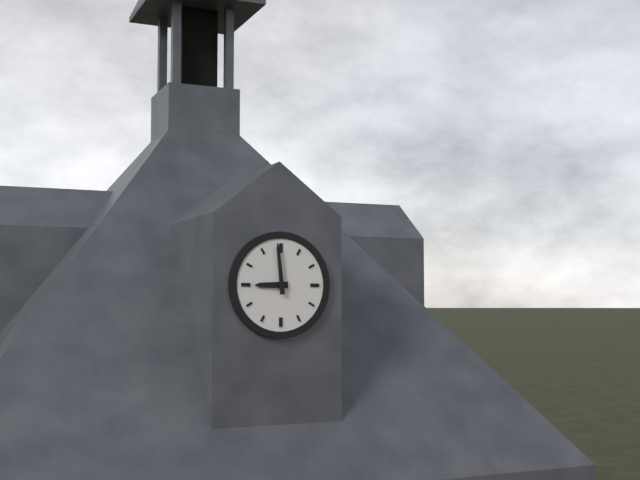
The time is 8:59
